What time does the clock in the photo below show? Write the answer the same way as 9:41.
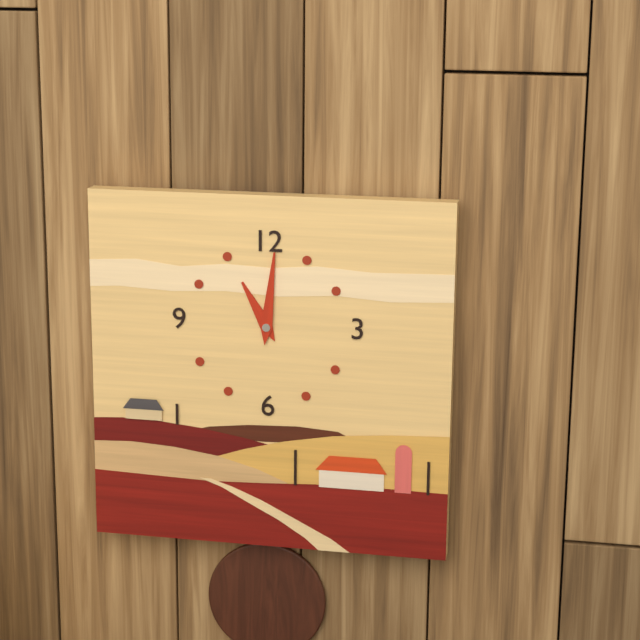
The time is 11:01
